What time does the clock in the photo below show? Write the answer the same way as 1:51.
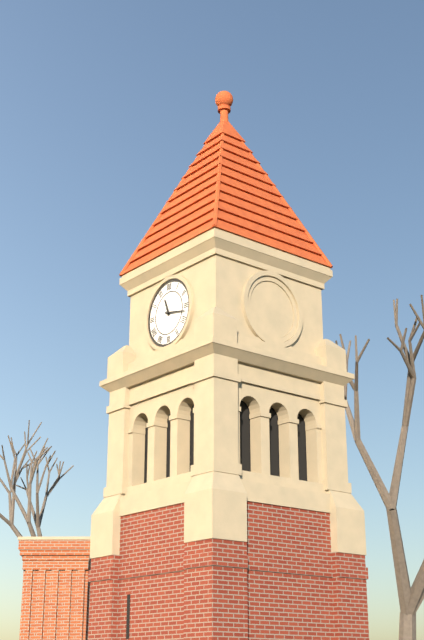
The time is 11:17
